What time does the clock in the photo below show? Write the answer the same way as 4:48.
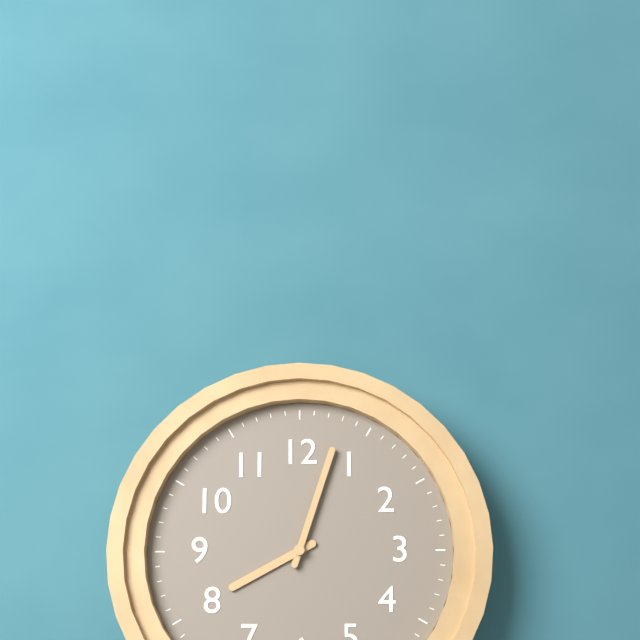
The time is 8:03
